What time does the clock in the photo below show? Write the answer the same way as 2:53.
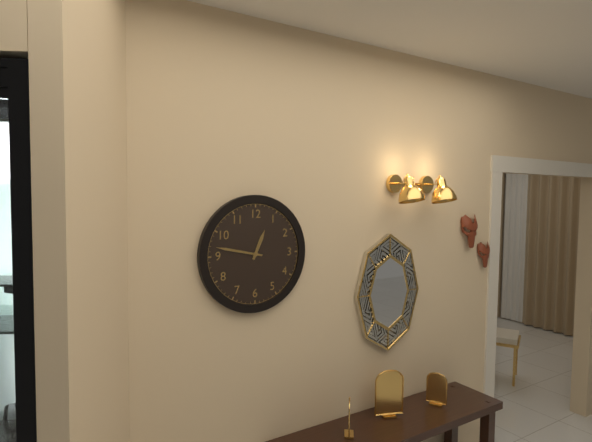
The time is 12:47
